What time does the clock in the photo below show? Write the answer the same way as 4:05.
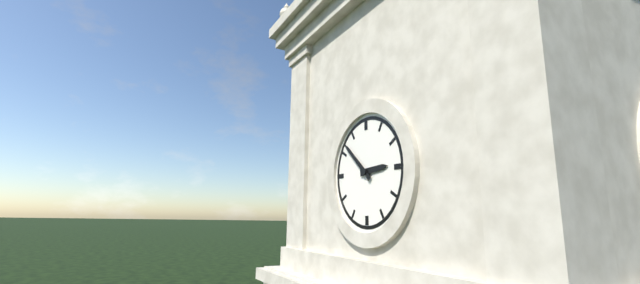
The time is 2:52
